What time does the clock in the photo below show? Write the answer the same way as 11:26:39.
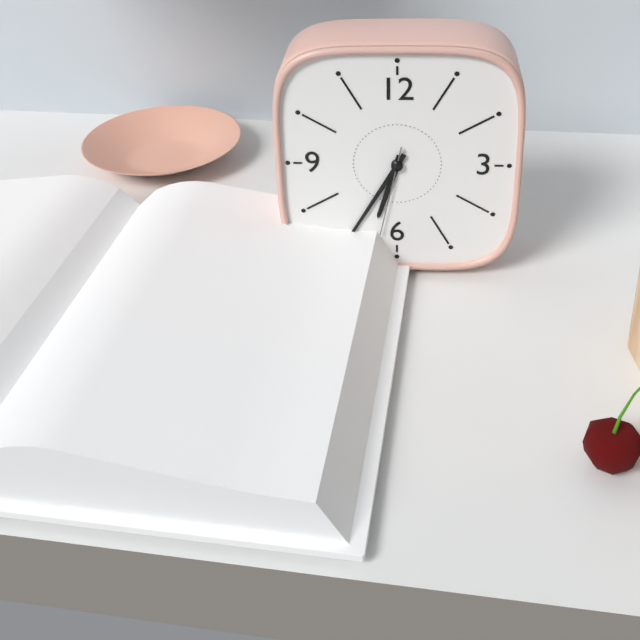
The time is 6:35:32
